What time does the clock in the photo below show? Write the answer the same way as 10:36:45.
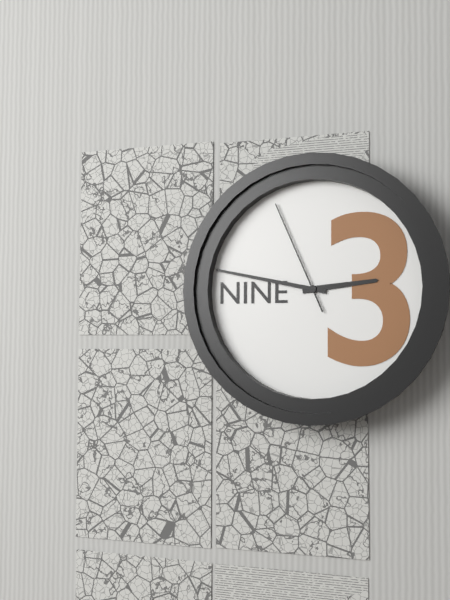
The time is 2:47:56
